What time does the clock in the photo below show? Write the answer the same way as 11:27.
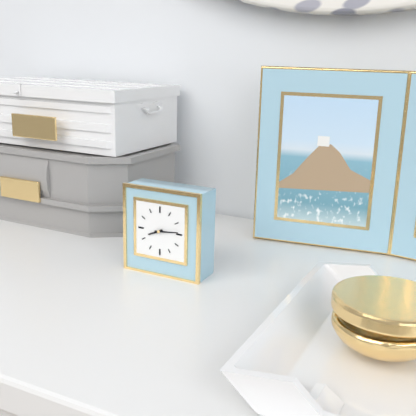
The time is 8:14
